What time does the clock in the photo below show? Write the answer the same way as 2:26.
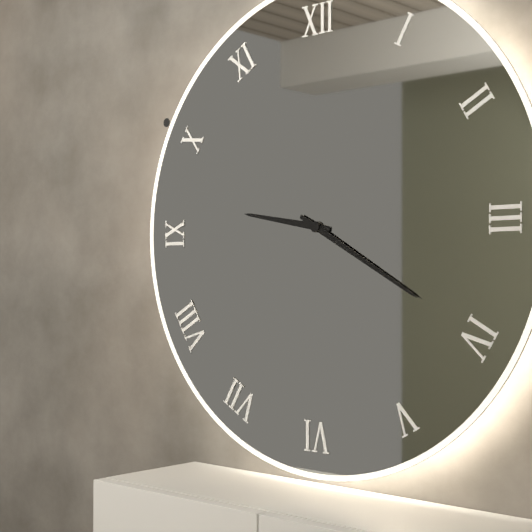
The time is 9:20
